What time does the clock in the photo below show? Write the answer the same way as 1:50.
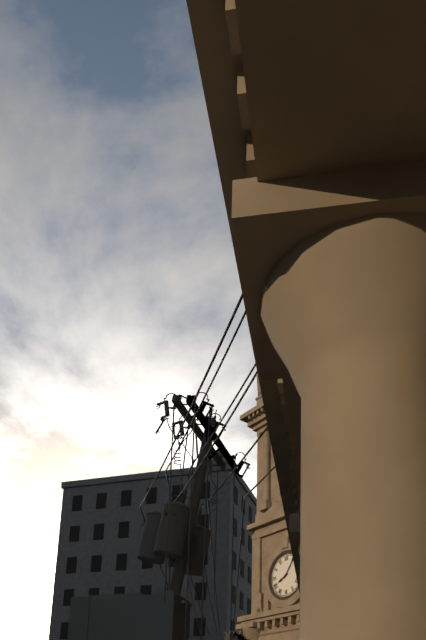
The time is 8:06
